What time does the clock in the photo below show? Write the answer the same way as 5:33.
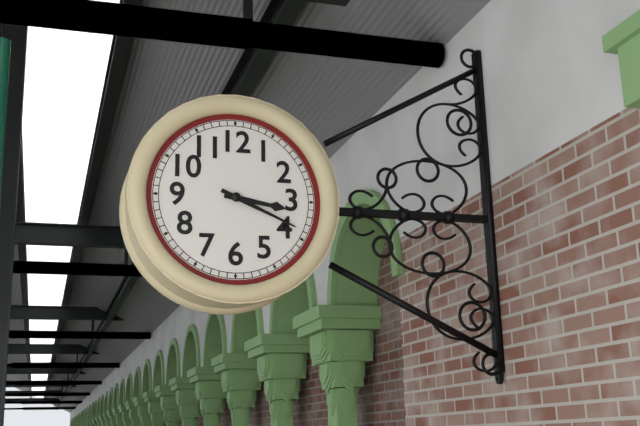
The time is 3:19
